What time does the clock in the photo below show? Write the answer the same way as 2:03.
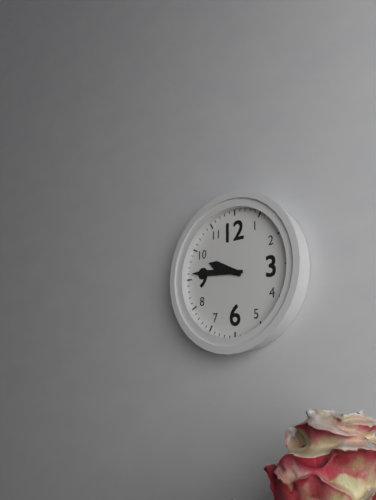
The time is 9:46
